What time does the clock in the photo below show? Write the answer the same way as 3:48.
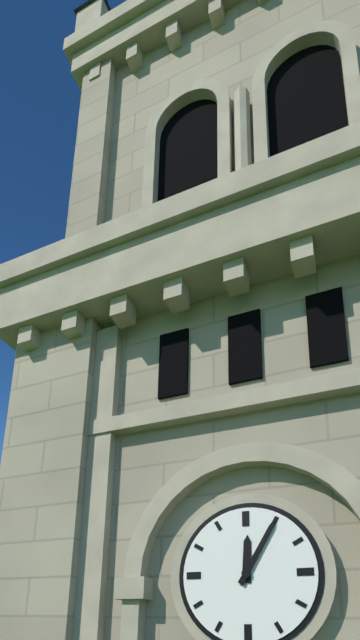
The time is 12:05
